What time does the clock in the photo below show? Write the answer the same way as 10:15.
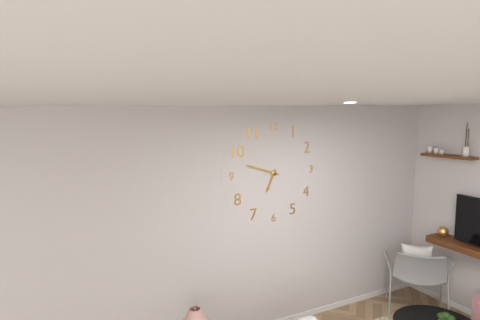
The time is 6:48
